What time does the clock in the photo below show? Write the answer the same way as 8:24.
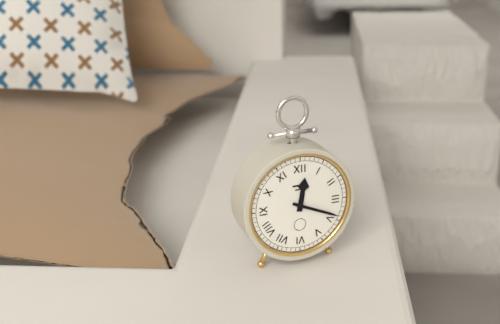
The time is 12:19
